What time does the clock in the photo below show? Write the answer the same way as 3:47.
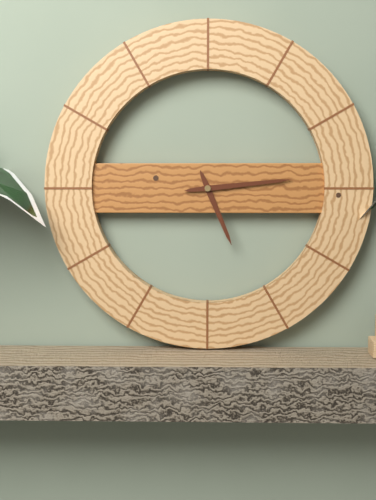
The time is 5:14
